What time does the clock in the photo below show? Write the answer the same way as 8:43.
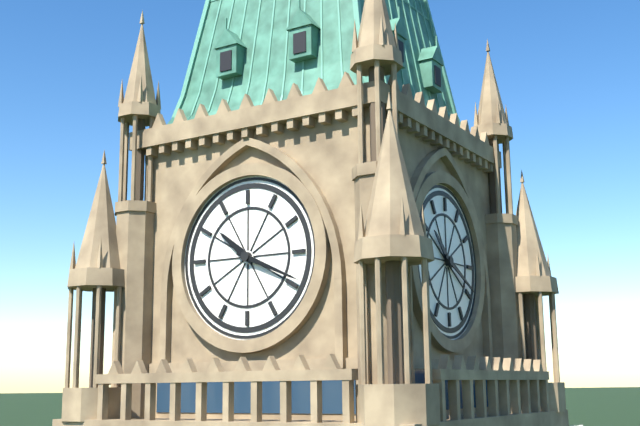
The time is 10:19
